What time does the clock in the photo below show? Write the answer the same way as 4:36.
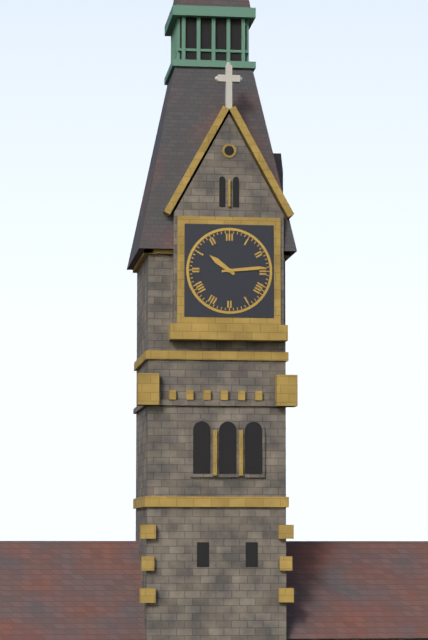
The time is 10:14
